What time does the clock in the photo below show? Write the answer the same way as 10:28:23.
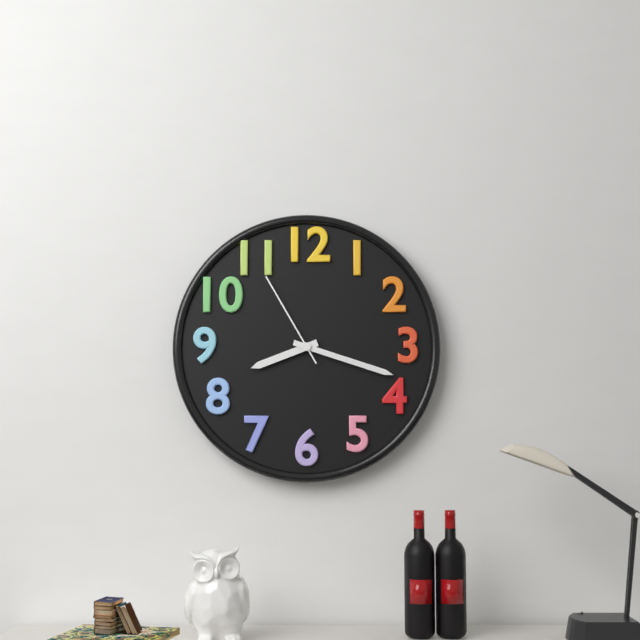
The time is 8:18:55
